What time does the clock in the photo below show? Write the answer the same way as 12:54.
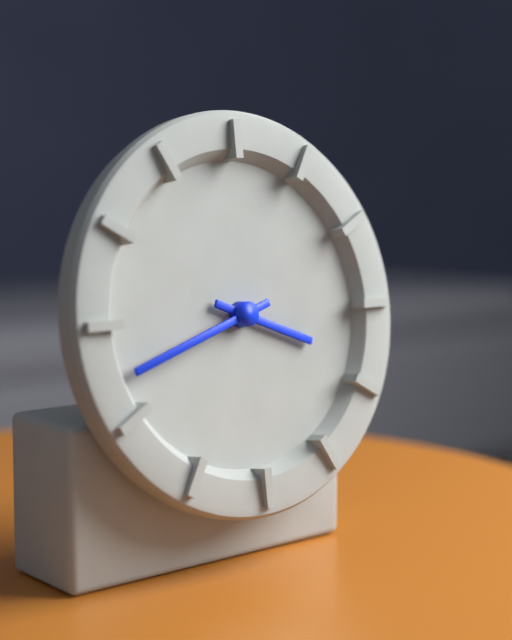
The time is 3:42
